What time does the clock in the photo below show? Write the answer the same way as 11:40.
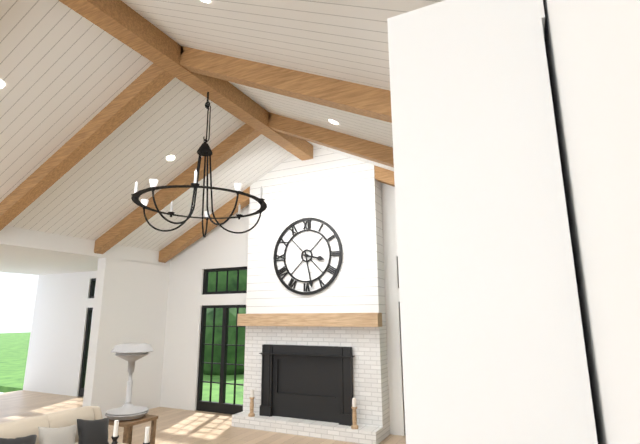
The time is 3:28
